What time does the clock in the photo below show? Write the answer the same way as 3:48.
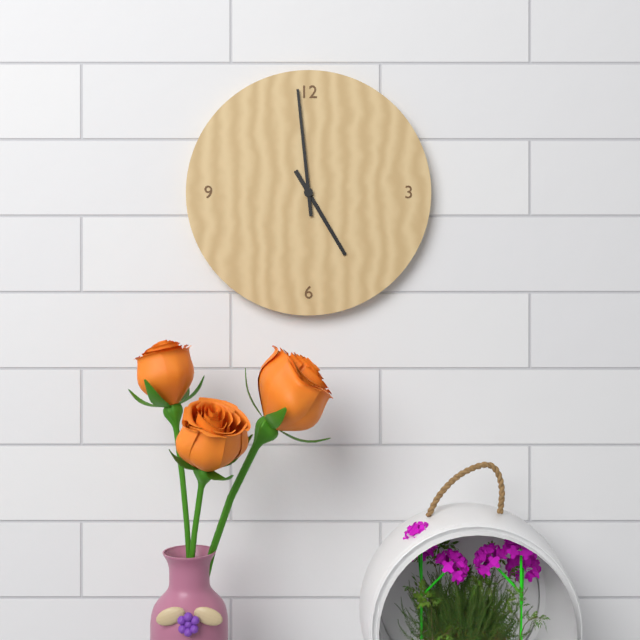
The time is 4:59
